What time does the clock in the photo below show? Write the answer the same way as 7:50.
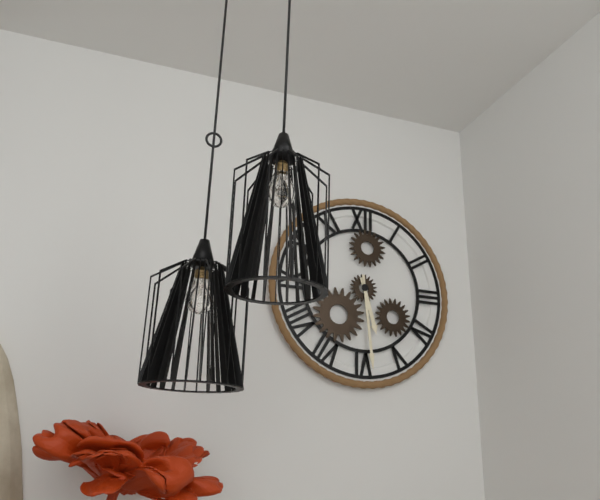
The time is 5:29
